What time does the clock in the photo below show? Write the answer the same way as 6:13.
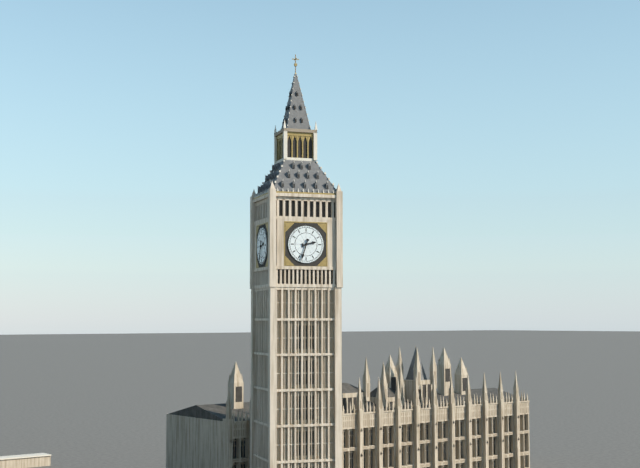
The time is 2:33
